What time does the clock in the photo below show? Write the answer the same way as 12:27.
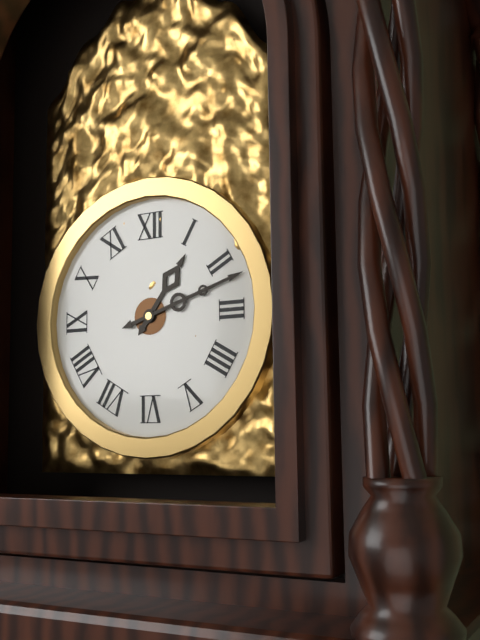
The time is 1:12
